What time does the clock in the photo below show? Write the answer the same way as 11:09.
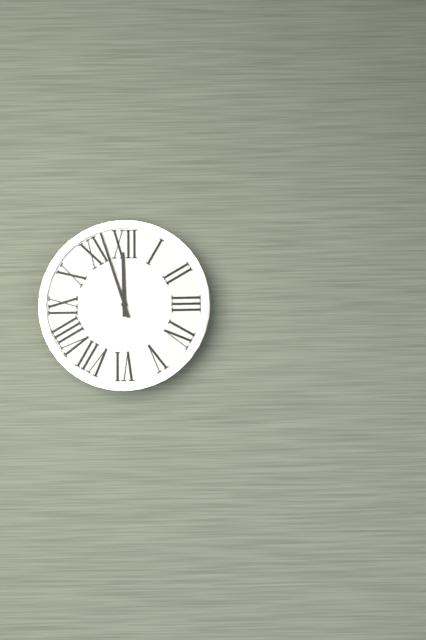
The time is 11:57
